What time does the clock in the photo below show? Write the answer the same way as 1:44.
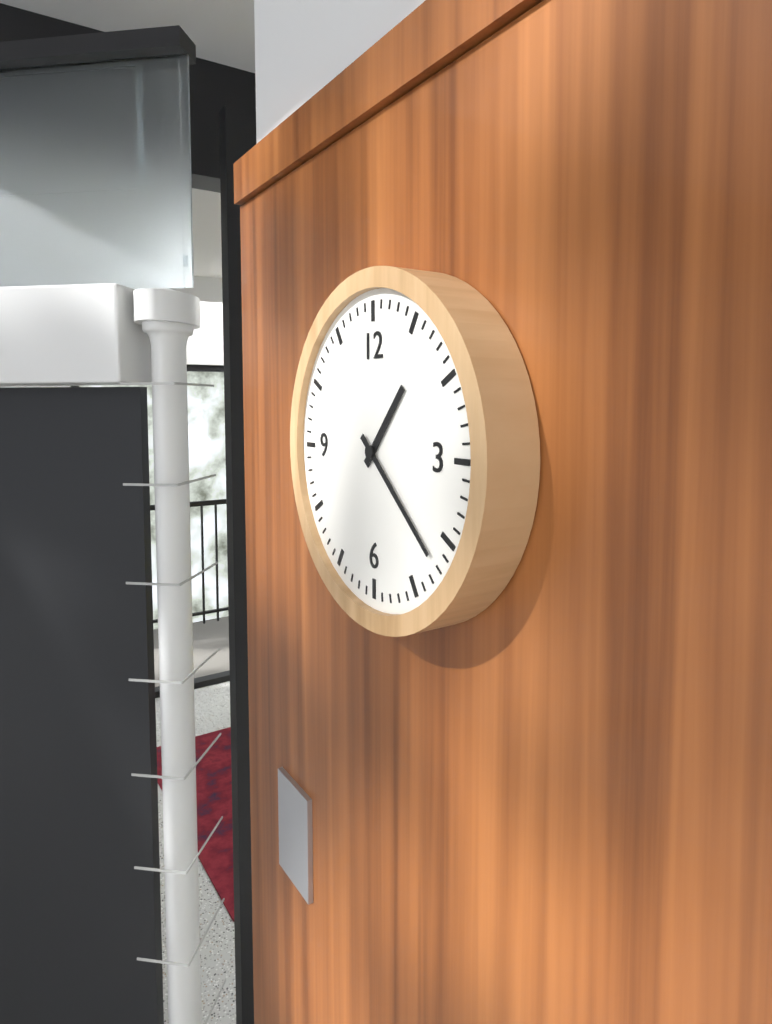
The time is 1:22
